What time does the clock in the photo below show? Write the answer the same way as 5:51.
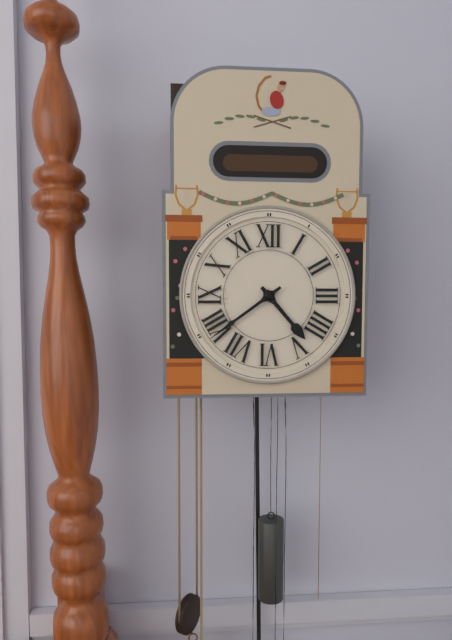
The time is 4:39
